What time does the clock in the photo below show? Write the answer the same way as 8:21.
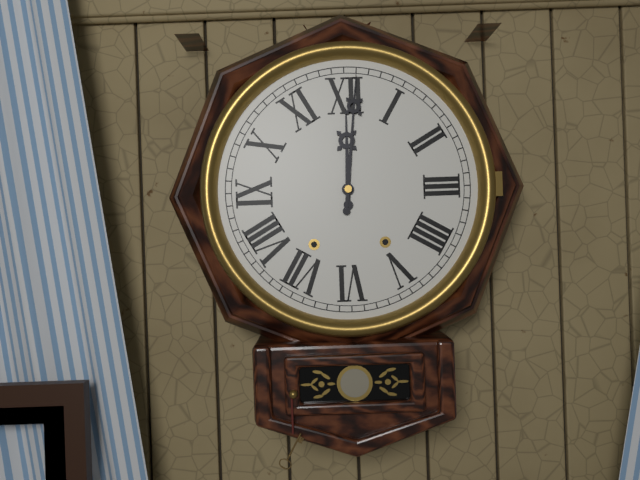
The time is 12:01
